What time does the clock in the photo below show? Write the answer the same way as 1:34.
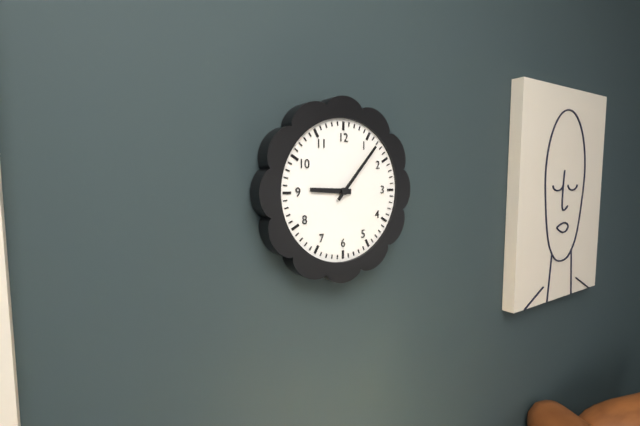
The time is 9:07
